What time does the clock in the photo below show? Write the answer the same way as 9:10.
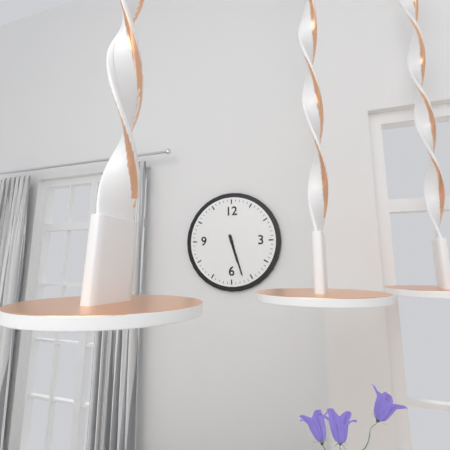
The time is 5:27
